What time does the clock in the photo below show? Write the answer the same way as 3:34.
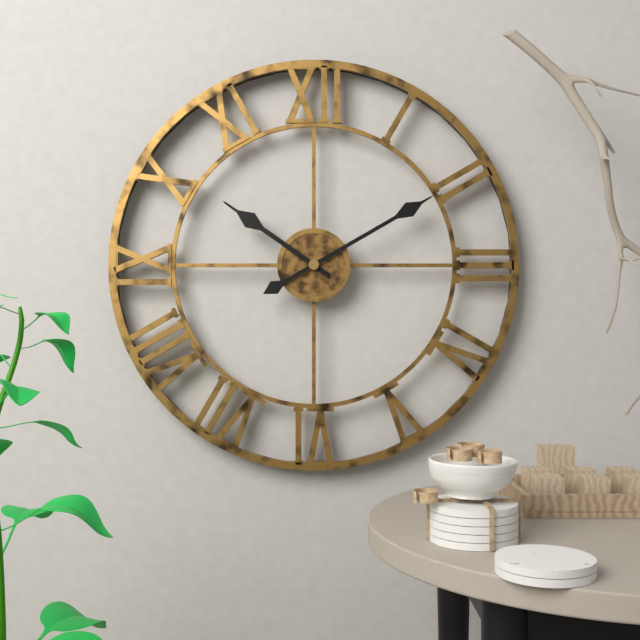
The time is 10:10
